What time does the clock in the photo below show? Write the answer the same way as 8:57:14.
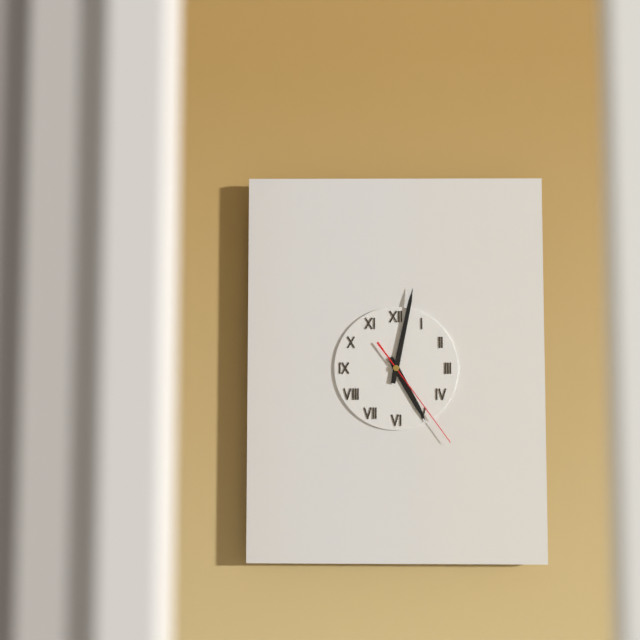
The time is 5:02:24
